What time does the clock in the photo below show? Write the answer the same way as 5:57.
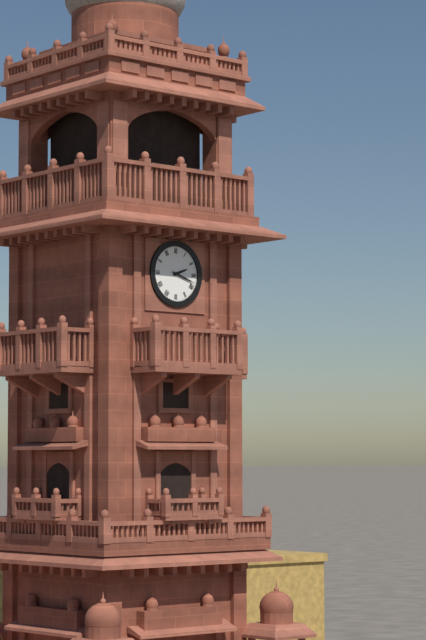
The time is 2:18
